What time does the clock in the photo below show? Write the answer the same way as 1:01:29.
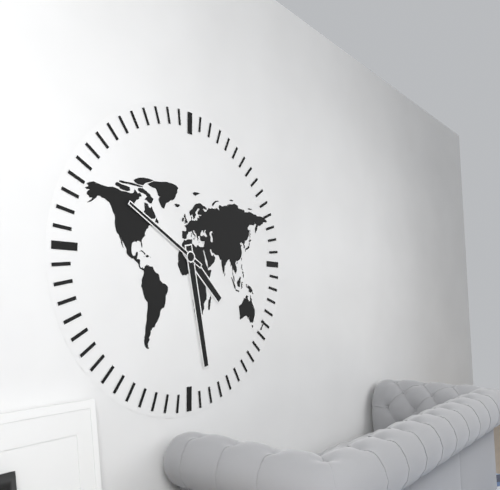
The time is 4:28:50
